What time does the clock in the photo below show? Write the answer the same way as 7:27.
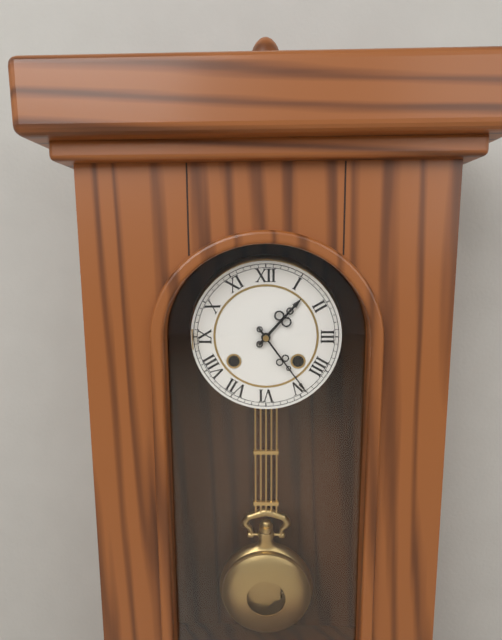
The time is 1:24
